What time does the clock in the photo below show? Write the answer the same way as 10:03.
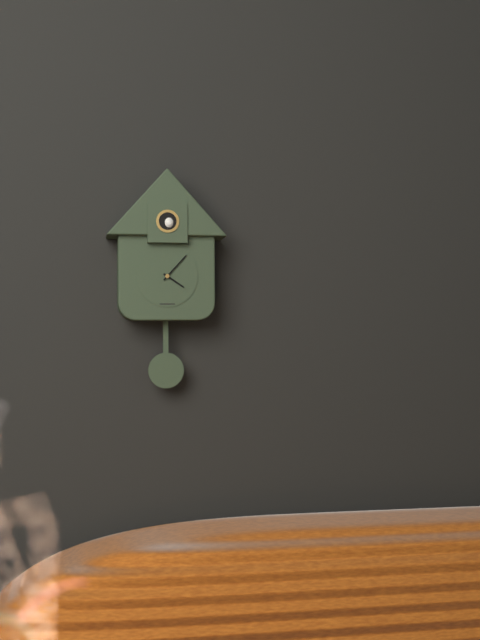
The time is 4:07
